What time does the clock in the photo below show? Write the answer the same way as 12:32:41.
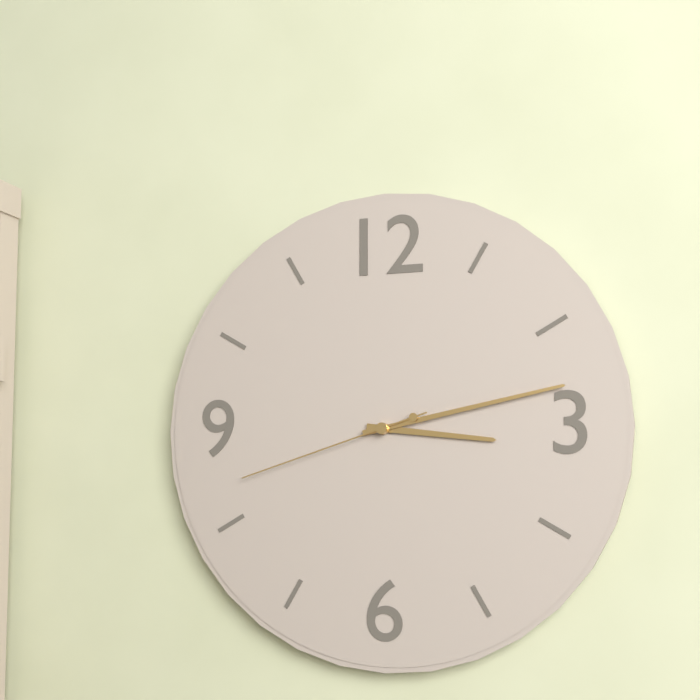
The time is 3:13:42
